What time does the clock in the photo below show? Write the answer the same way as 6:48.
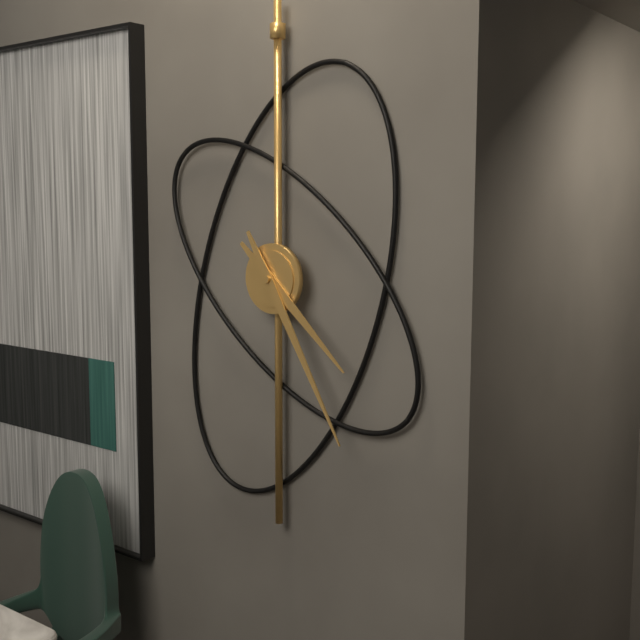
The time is 4:25
